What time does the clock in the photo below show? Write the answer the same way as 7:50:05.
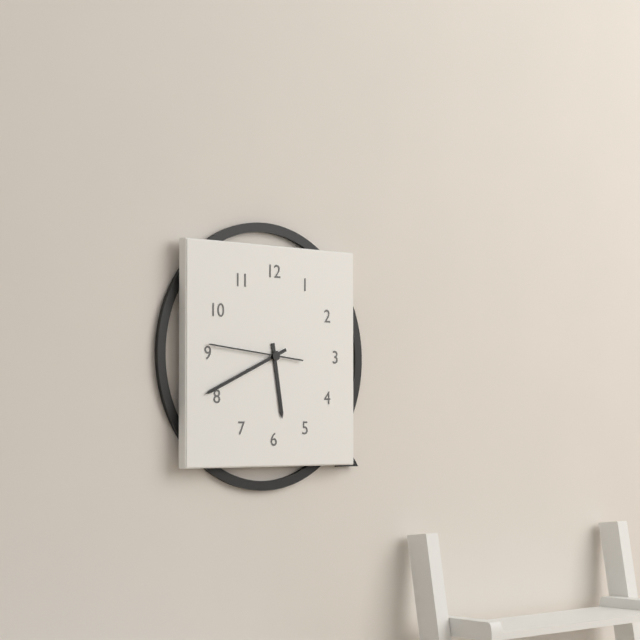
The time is 5:41:46
